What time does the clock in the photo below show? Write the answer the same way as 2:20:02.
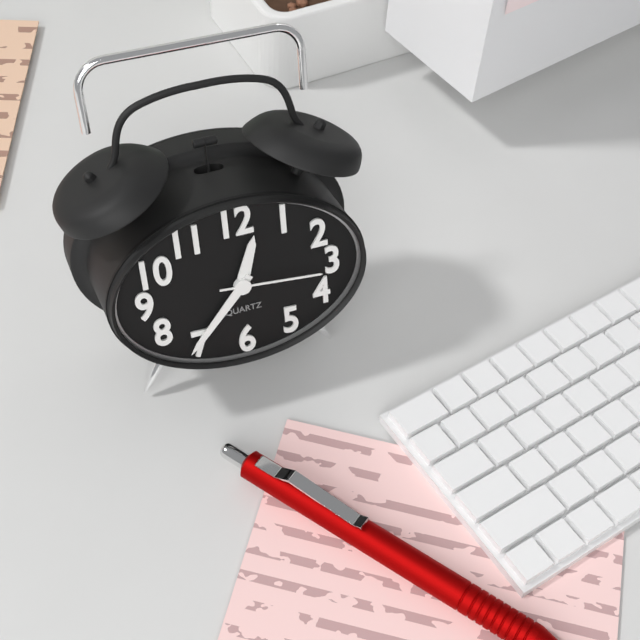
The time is 12:37:16
